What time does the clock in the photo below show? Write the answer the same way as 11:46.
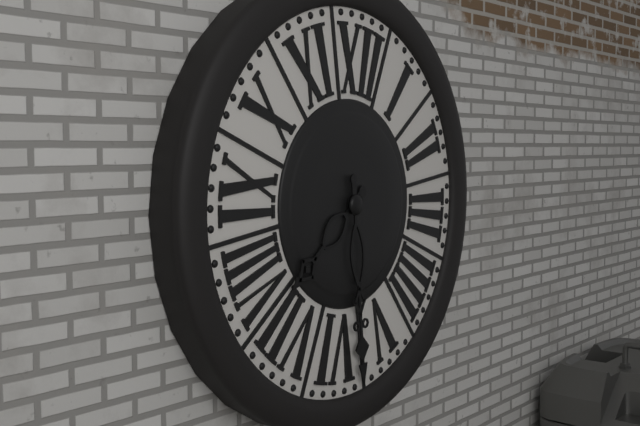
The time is 7:28
